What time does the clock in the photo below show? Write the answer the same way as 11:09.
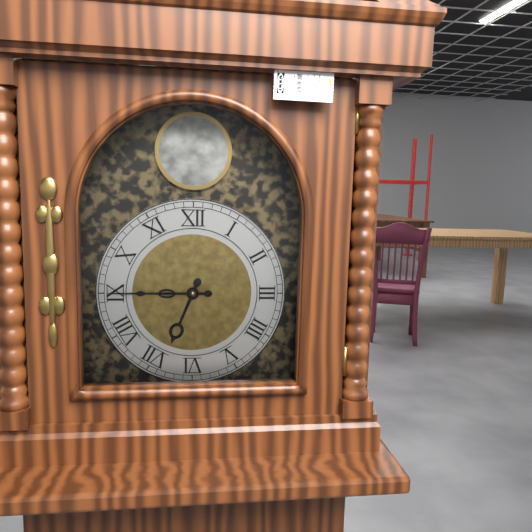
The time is 6:45
